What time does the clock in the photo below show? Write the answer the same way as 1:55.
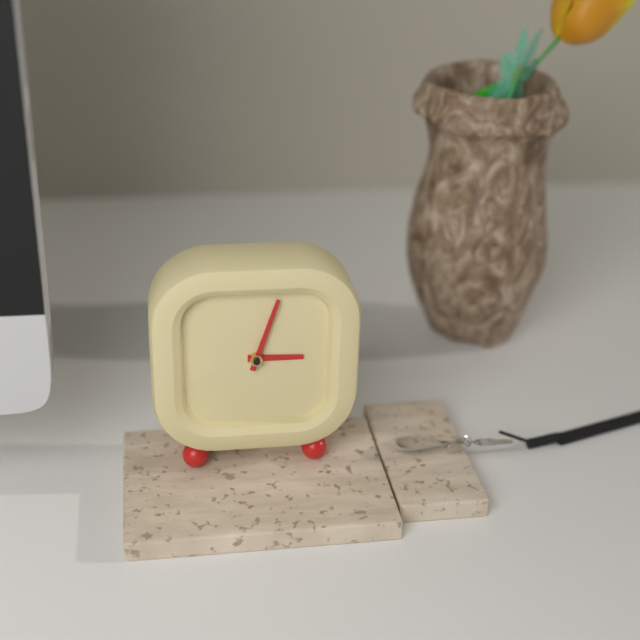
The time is 3:03
